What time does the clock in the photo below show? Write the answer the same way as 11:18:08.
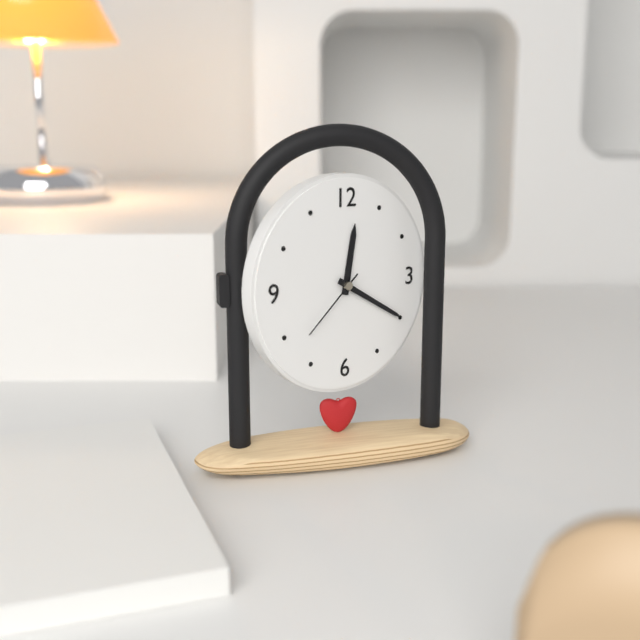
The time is 12:20:38
